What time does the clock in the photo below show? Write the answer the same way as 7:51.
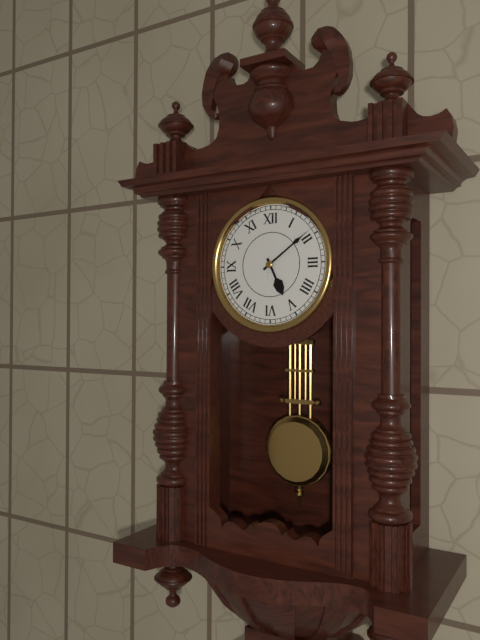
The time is 5:09
